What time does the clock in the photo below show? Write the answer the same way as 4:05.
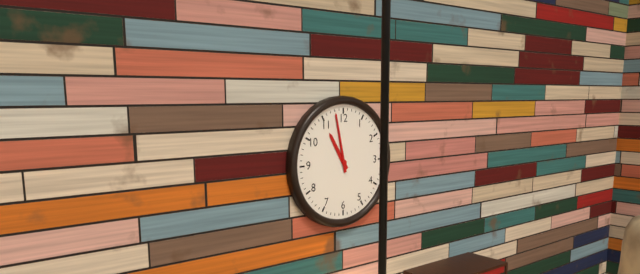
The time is 10:58
